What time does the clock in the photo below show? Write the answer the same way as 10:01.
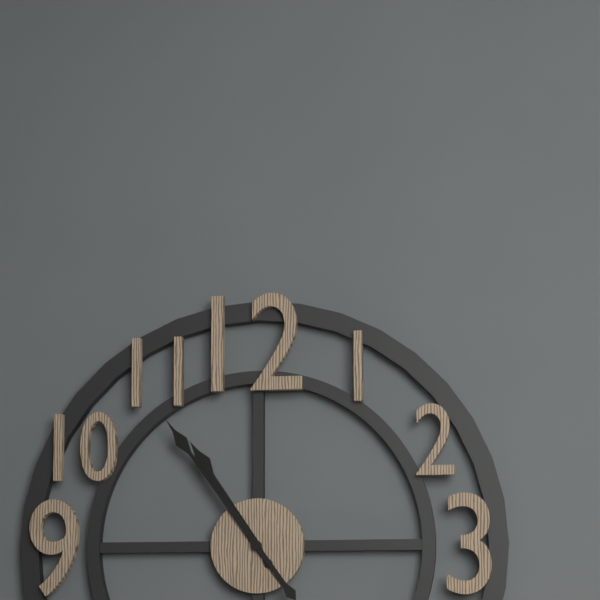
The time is 10:54
